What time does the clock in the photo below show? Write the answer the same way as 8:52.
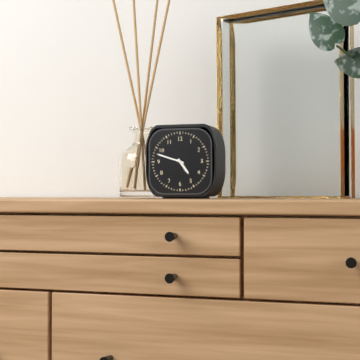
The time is 4:48
